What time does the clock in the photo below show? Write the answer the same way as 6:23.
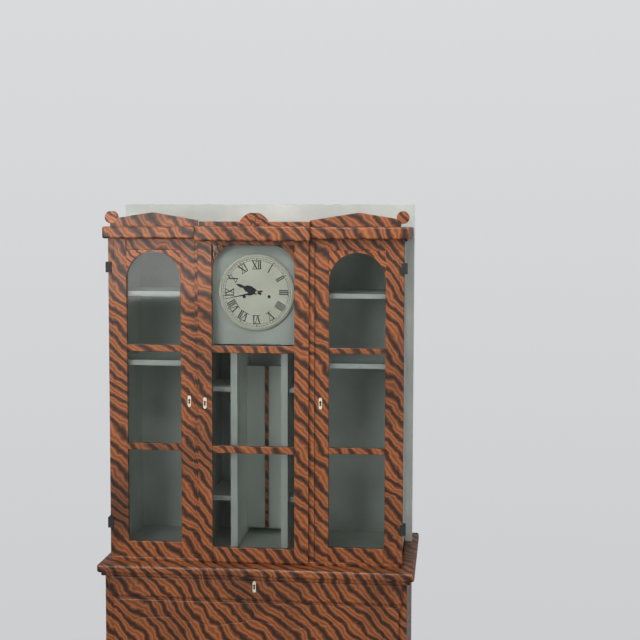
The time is 9:43
